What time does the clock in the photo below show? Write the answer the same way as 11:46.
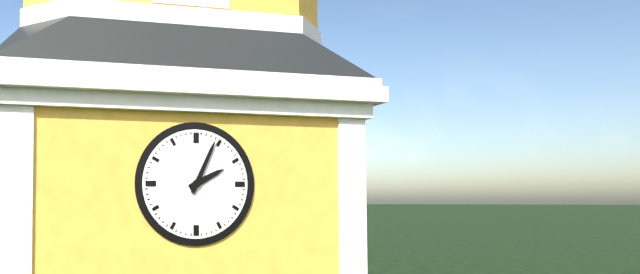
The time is 2:04
